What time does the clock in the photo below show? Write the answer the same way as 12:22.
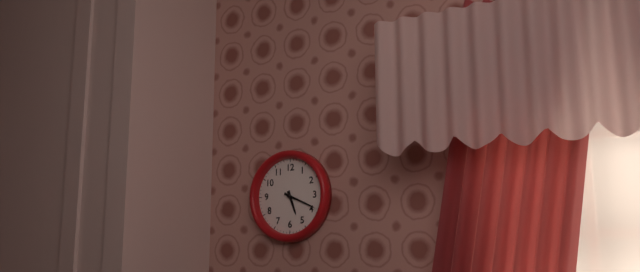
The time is 5:19
